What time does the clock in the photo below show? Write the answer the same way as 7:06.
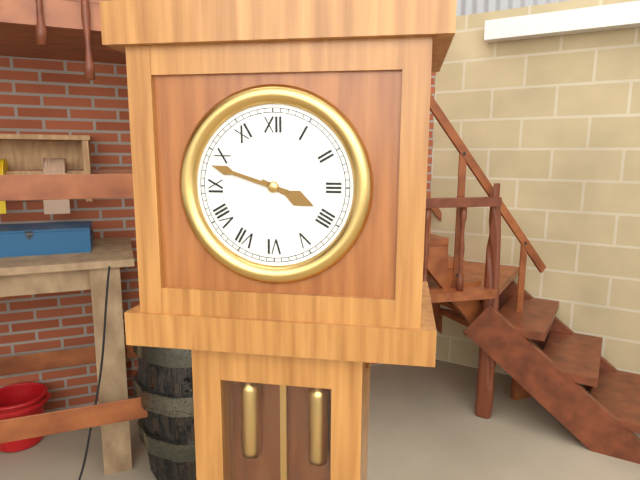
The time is 3:48
